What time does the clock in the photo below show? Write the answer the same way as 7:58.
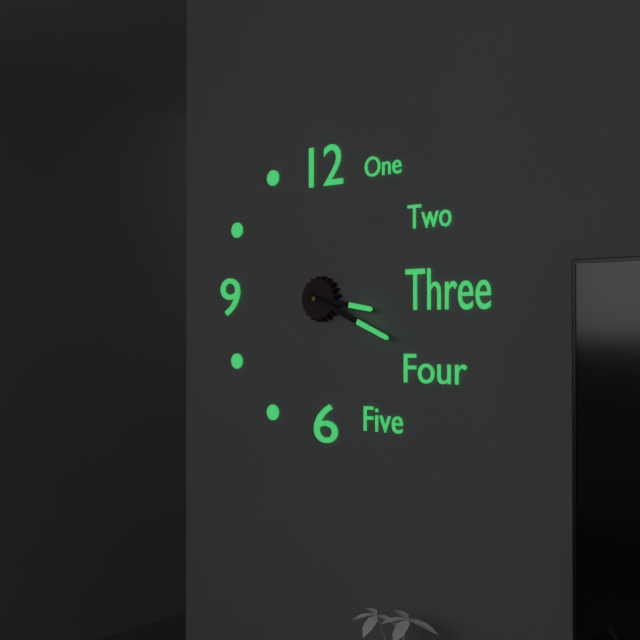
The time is 3:19
